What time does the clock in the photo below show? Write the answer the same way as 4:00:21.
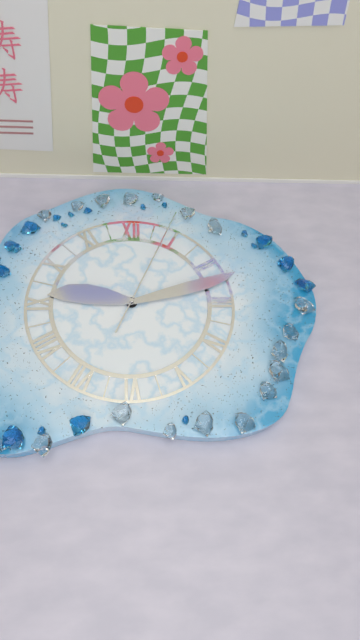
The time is 9:12:04
